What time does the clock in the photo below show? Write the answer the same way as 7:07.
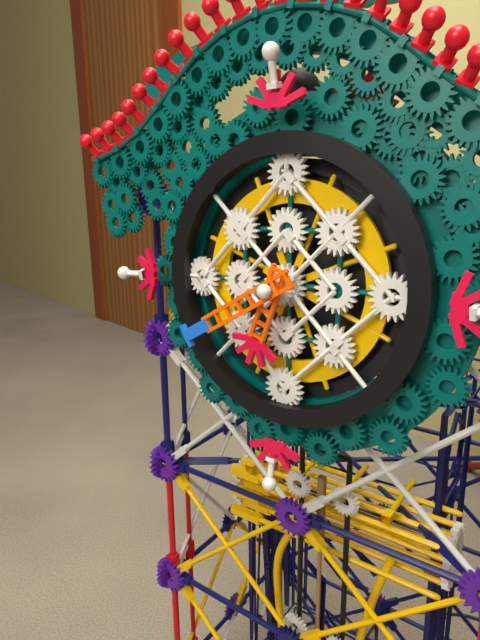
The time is 6:40
